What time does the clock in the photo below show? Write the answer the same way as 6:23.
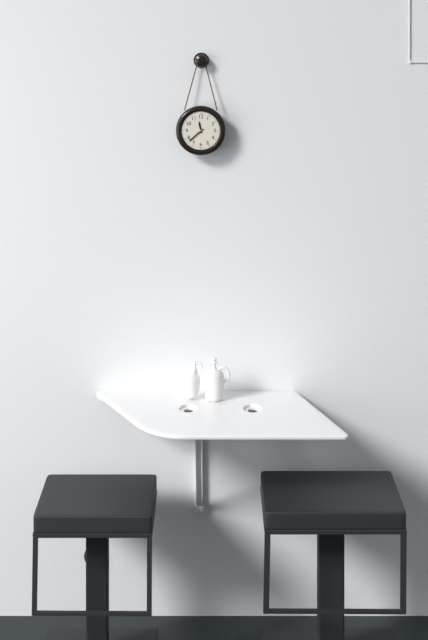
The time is 11:38
